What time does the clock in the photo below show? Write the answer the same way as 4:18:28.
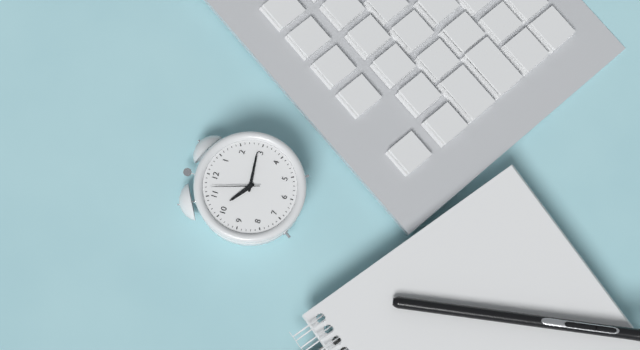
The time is 10:14:57
